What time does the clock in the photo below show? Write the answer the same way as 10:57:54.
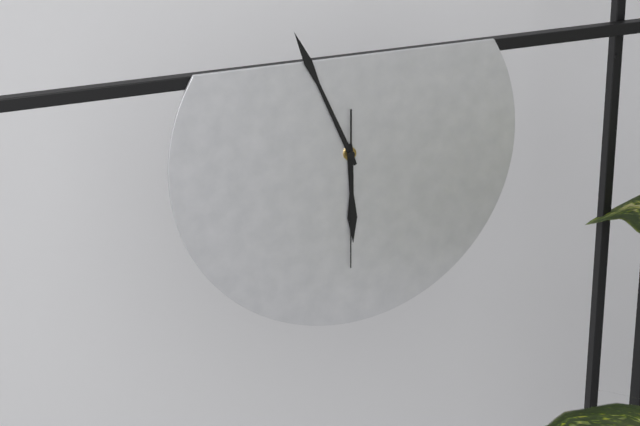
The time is 5:56:30
